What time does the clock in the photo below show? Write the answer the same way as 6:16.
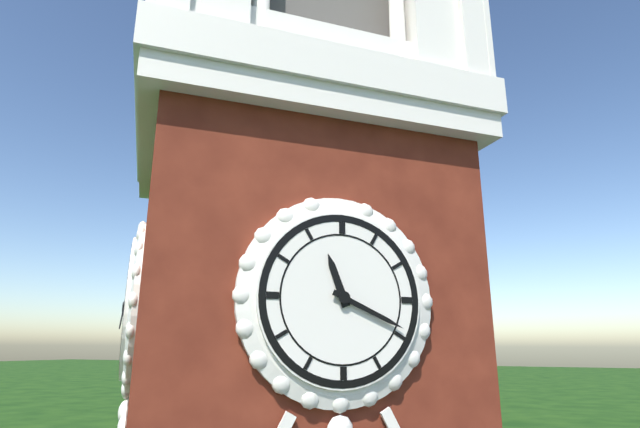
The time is 11:19
